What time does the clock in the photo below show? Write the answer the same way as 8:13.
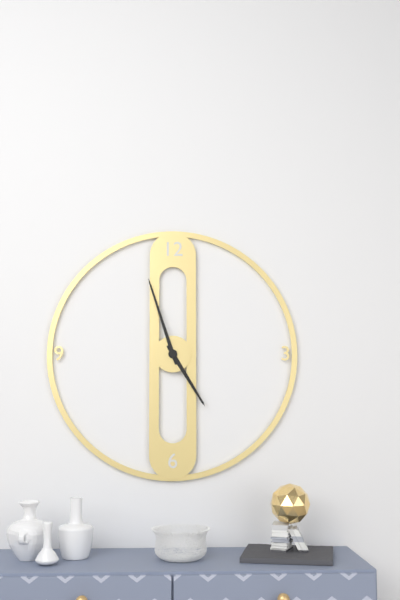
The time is 4:57
